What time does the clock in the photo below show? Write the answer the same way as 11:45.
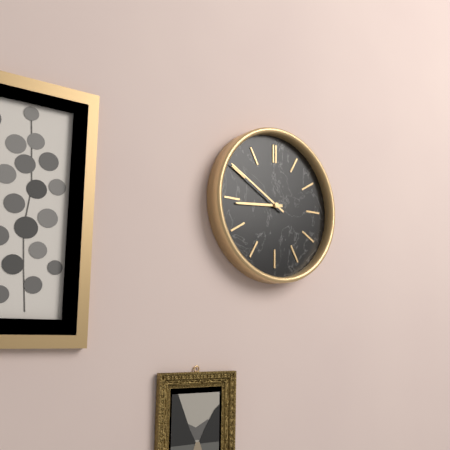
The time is 8:50
